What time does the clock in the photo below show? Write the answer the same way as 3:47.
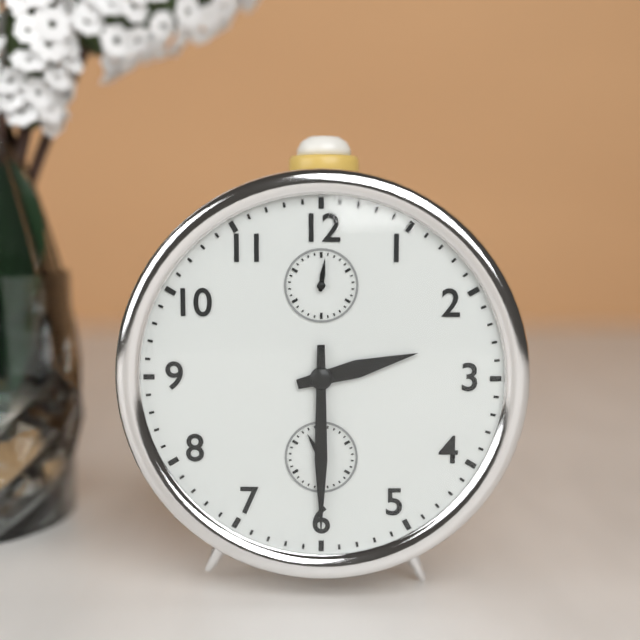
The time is 2:30
